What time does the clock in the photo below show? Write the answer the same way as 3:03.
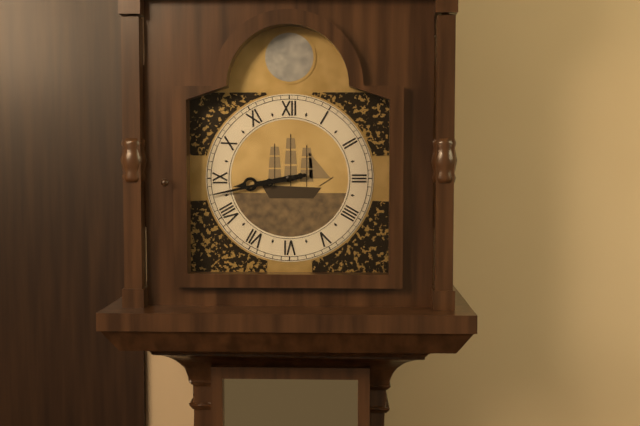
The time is 8:43
